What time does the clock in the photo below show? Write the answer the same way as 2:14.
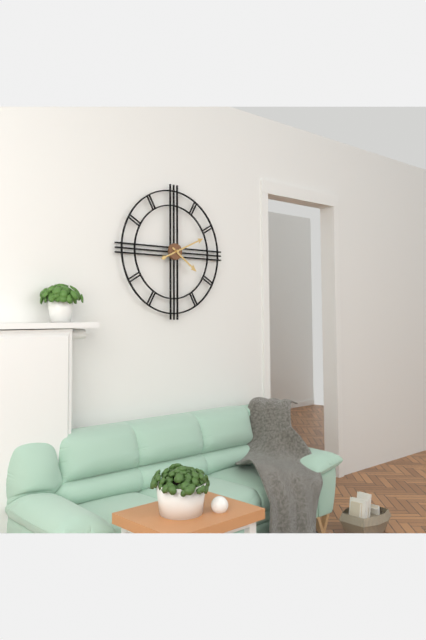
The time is 4:11
